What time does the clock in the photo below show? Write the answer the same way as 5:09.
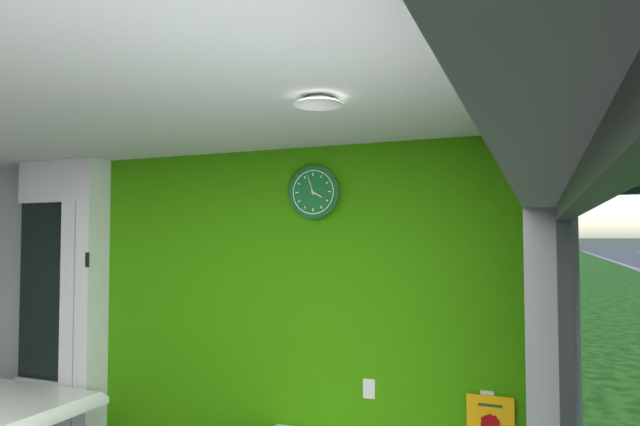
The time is 3:57
